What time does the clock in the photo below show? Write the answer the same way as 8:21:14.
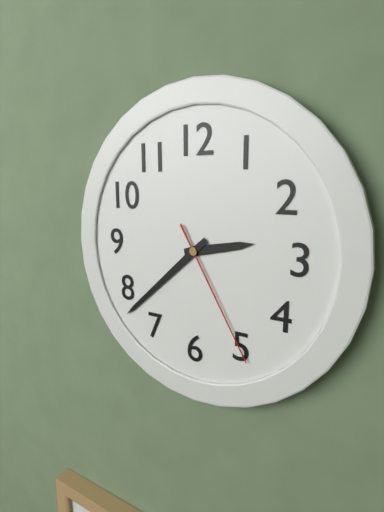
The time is 2:38:25
